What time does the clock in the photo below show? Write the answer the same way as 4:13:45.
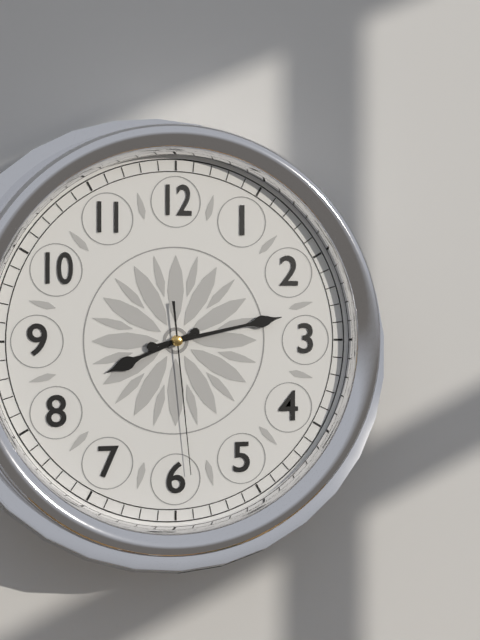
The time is 8:13:29
